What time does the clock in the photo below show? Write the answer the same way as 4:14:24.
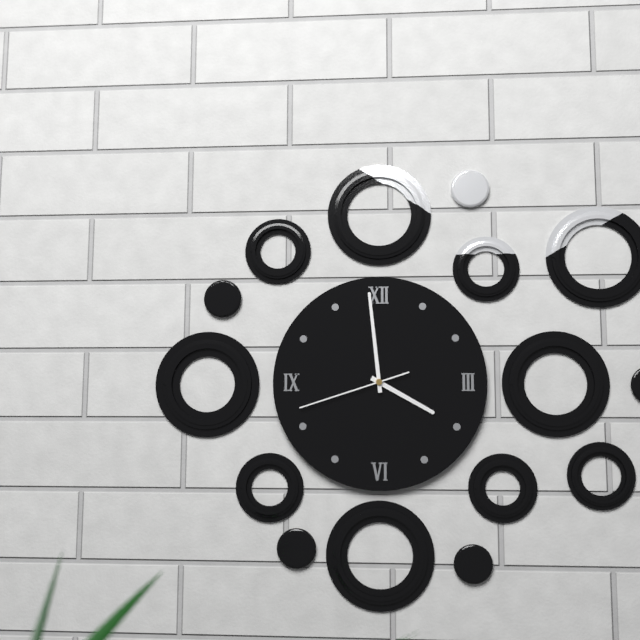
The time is 3:59:42
